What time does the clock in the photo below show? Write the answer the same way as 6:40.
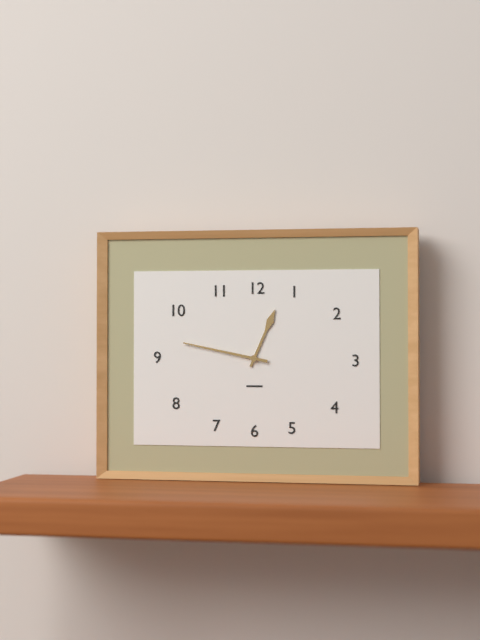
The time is 12:47
